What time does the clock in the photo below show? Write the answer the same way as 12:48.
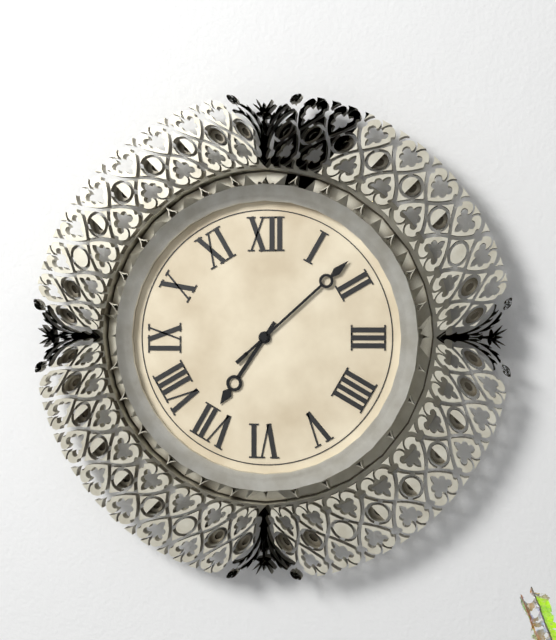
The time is 7:08
